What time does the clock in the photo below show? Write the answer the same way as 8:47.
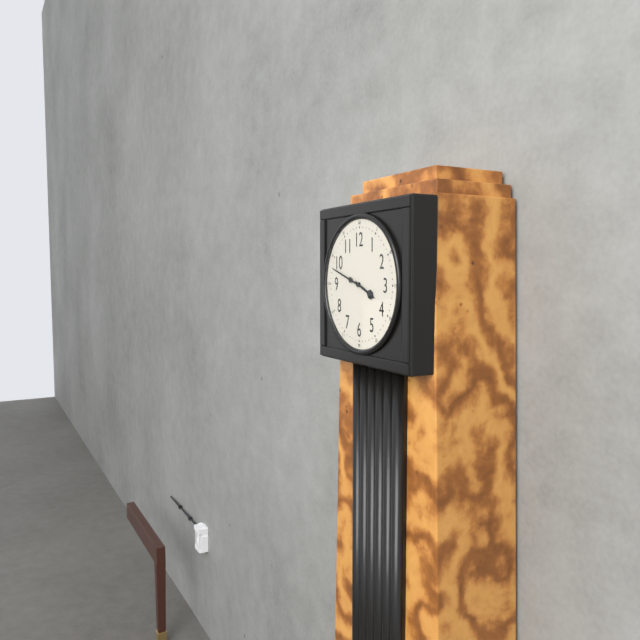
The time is 3:48
